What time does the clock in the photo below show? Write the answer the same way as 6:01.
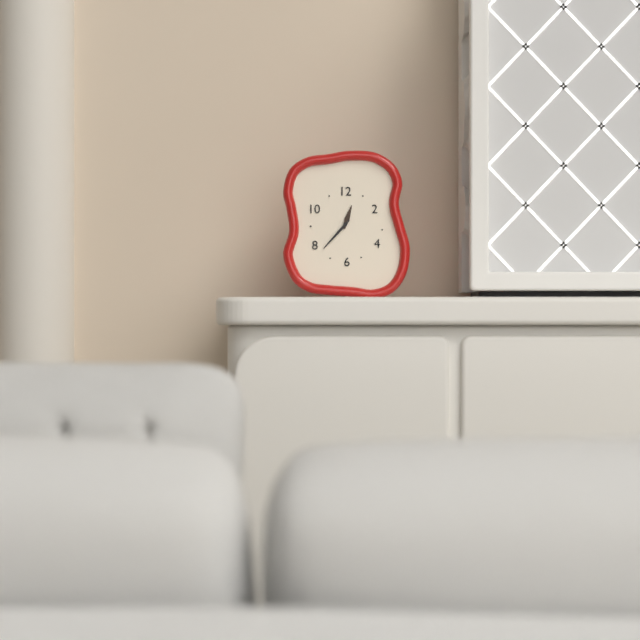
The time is 12:37
